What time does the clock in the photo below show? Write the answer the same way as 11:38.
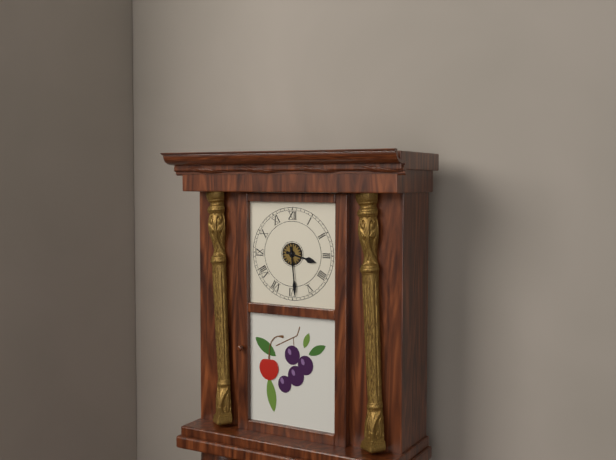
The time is 3:29
